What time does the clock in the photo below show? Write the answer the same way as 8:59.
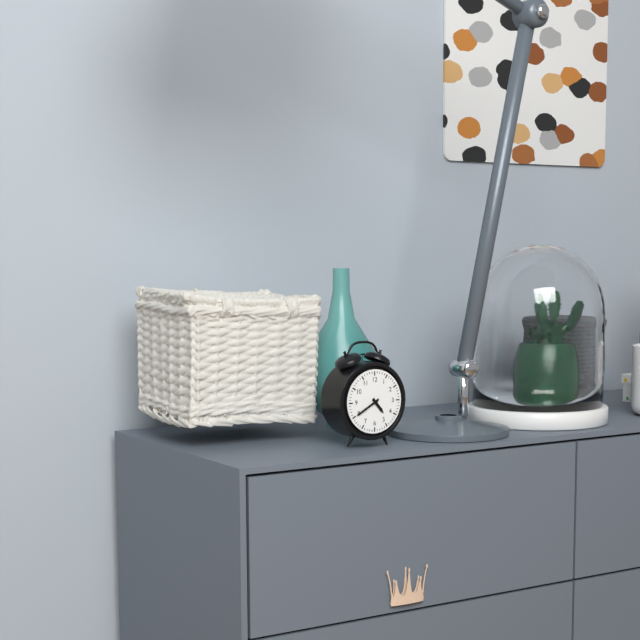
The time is 4:40
